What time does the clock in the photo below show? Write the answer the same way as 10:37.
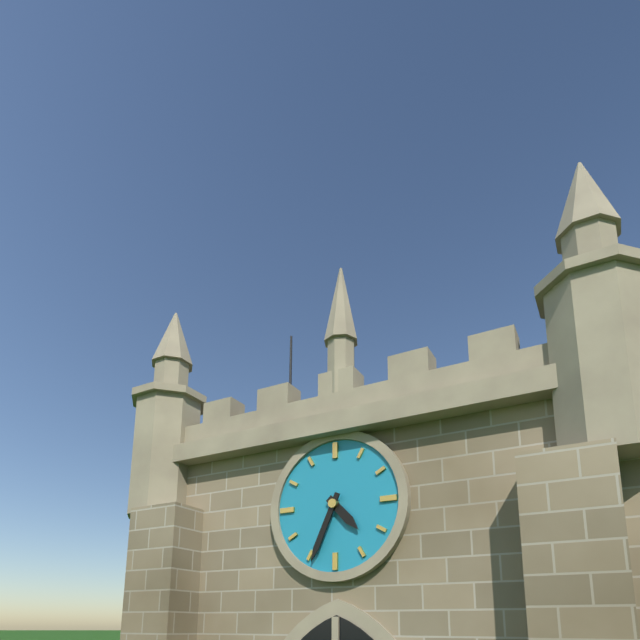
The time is 4:34
